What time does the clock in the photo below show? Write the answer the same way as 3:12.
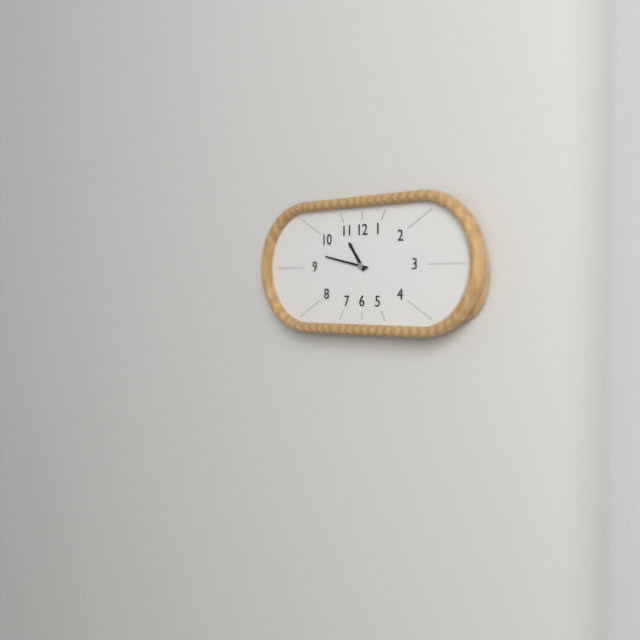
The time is 10:47
